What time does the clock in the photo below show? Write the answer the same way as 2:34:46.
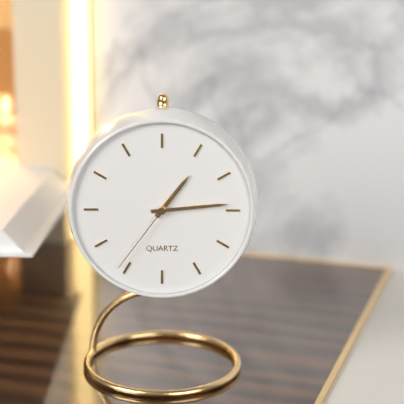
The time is 1:14:36
